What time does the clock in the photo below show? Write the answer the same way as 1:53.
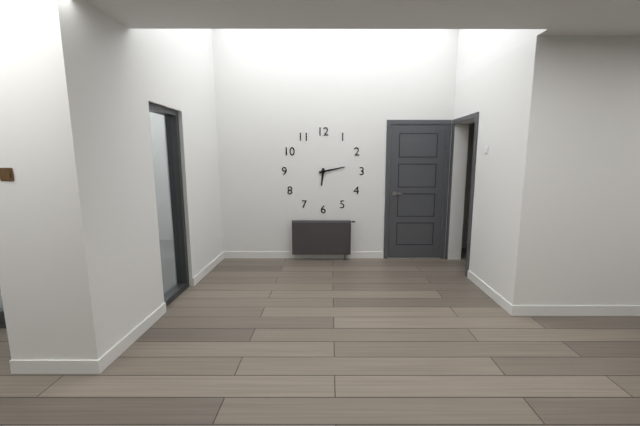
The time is 6:13
